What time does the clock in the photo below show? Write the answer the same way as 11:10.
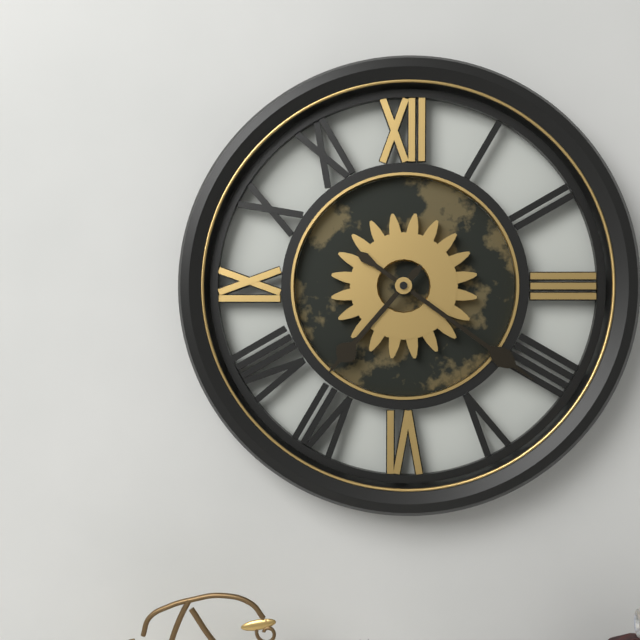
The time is 7:21
